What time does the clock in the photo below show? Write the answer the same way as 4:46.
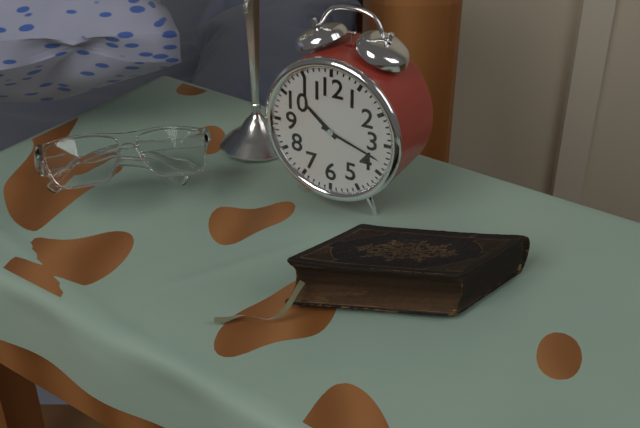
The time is 10:18
